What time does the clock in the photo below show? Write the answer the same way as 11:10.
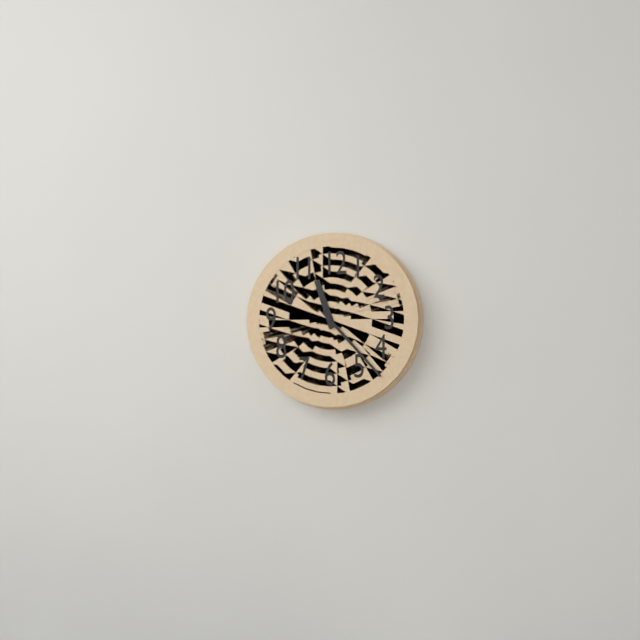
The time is 11:23
